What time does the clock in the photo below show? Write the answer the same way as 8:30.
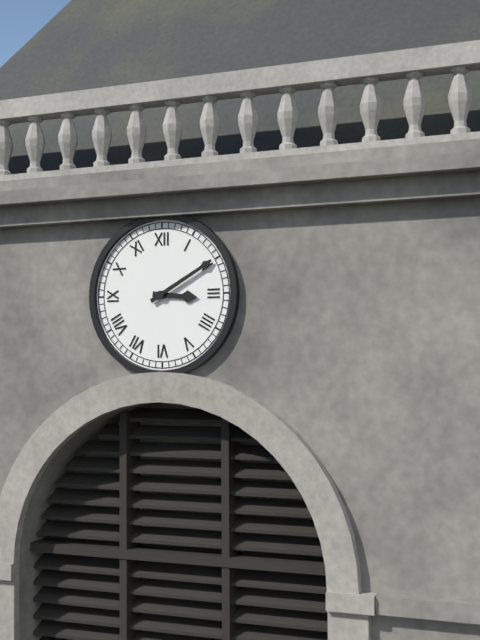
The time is 3:10
